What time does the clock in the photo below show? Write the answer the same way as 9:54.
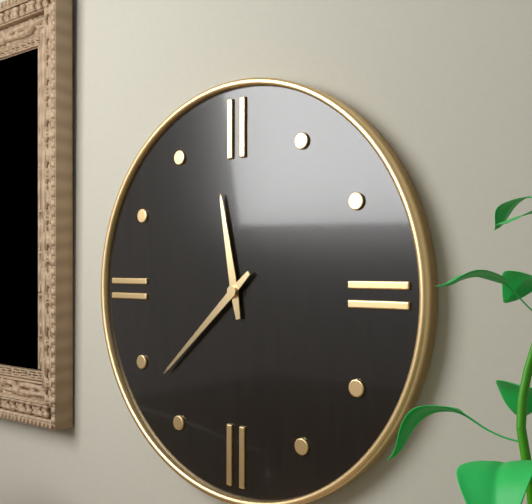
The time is 11:38
